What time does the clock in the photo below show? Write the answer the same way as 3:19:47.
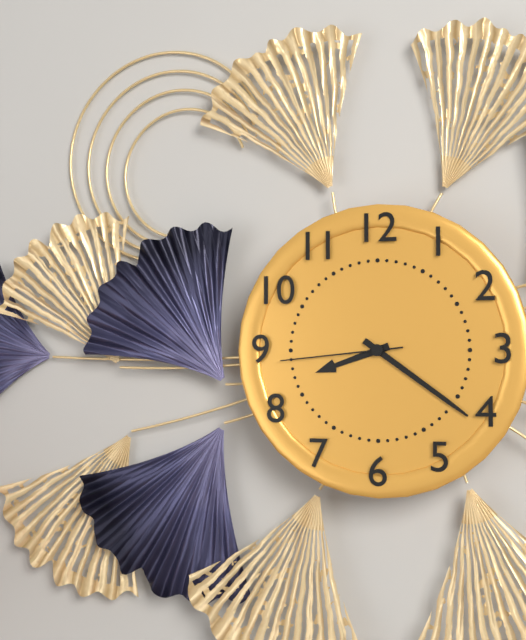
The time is 8:21:44
